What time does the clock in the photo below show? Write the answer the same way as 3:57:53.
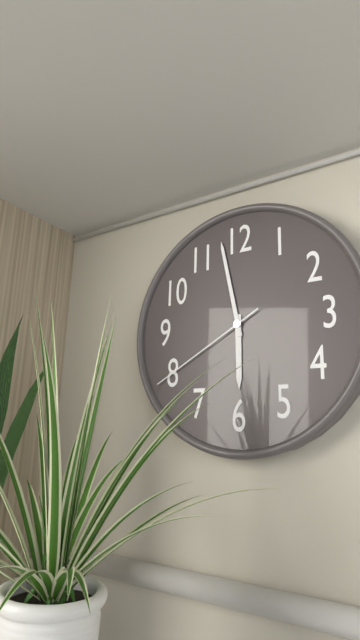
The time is 5:58:40
